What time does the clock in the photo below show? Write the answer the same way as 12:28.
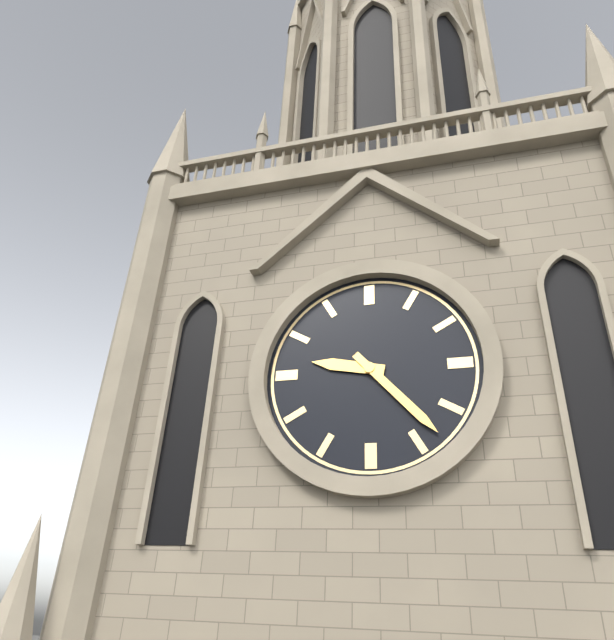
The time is 9:23
